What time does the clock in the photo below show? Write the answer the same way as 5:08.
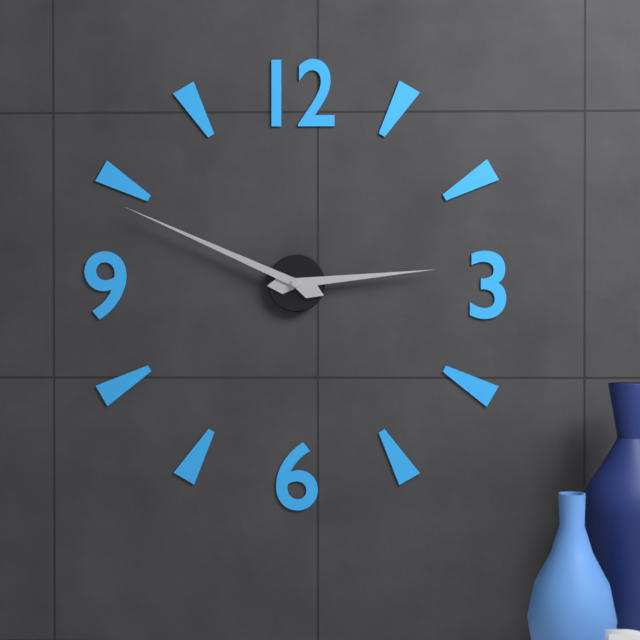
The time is 2:49
